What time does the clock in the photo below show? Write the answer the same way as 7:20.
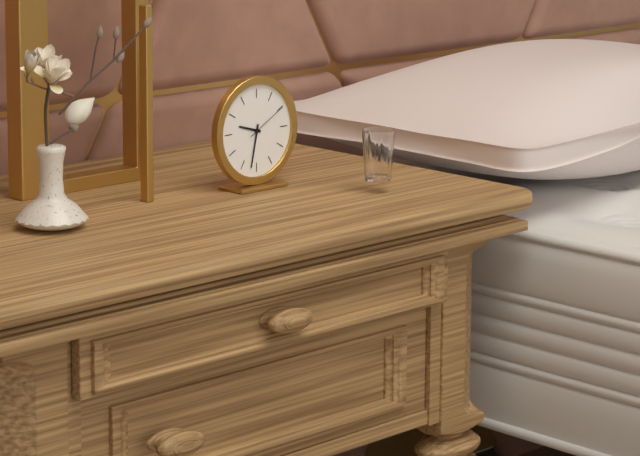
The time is 9:32
